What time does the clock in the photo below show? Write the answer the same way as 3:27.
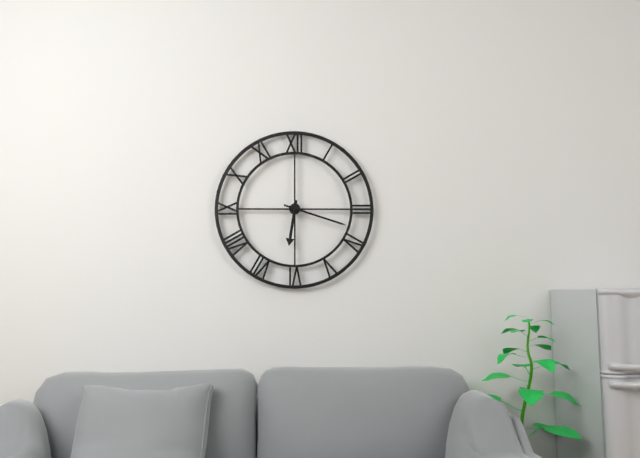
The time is 6:18
